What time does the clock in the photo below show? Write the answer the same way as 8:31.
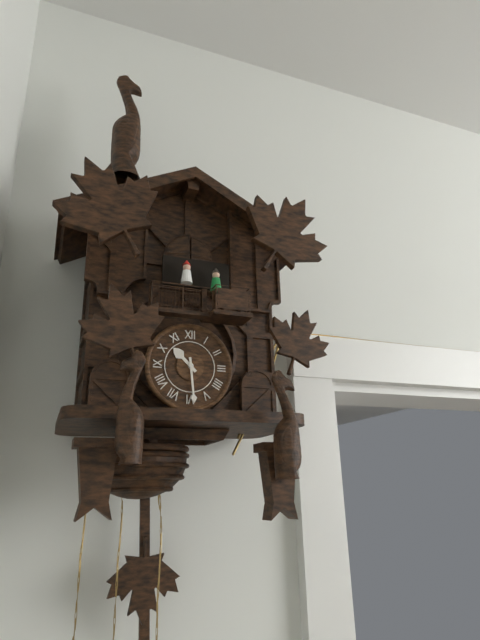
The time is 10:29
